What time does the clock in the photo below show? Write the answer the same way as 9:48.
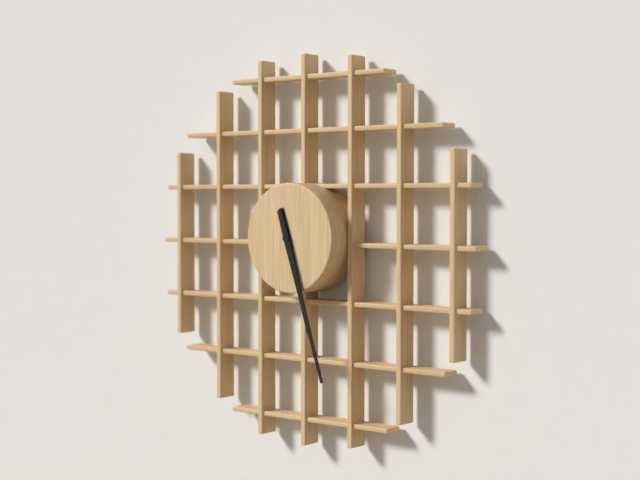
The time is 5:27
